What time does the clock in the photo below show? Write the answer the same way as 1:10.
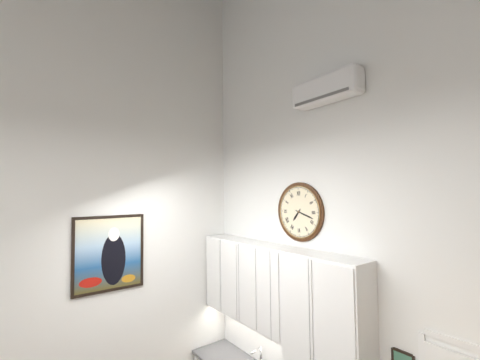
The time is 7:18
